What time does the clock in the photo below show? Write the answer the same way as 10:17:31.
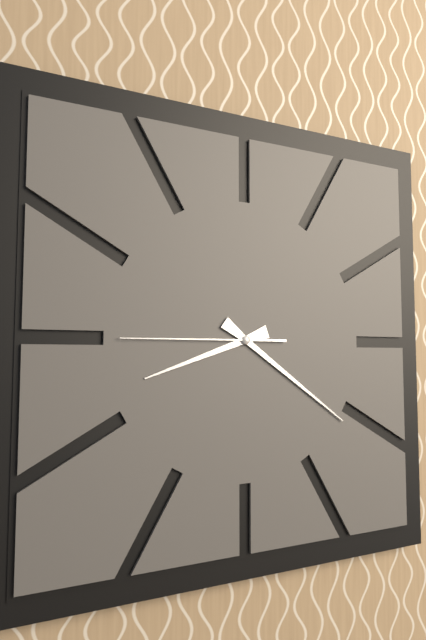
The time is 8:21:45
